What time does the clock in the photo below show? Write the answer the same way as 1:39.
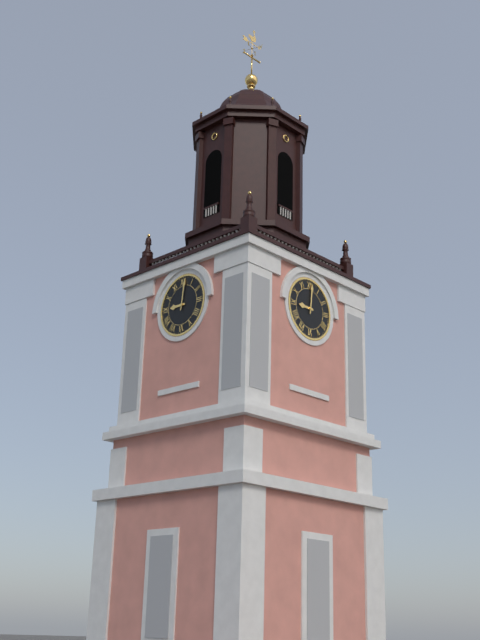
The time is 9:01
